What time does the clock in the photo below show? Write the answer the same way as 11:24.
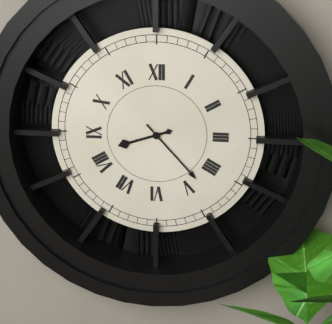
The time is 8:23
